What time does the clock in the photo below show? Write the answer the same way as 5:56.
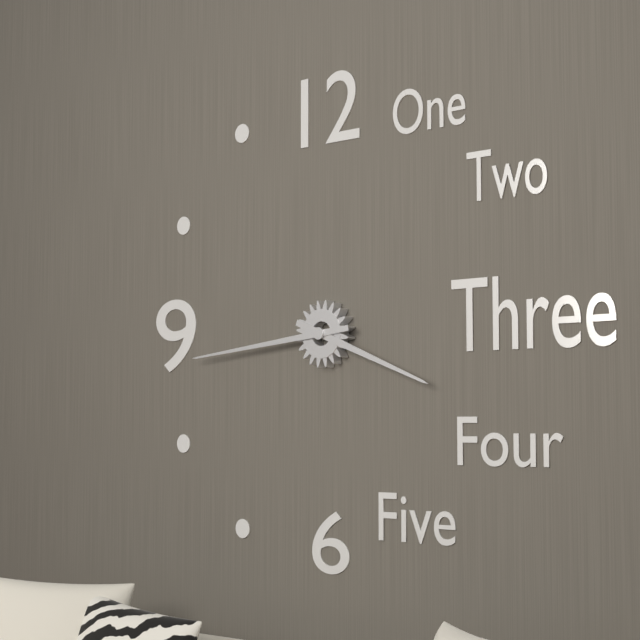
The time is 3:44
